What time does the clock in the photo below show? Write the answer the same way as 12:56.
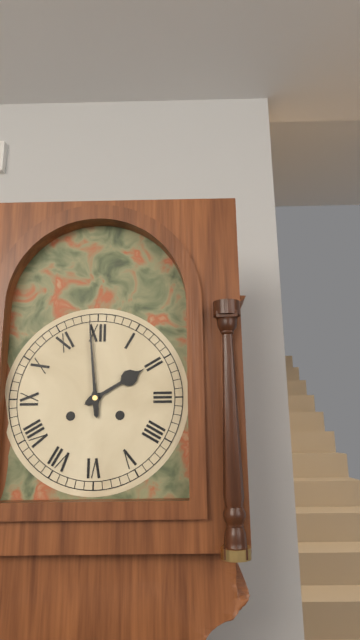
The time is 1:59
